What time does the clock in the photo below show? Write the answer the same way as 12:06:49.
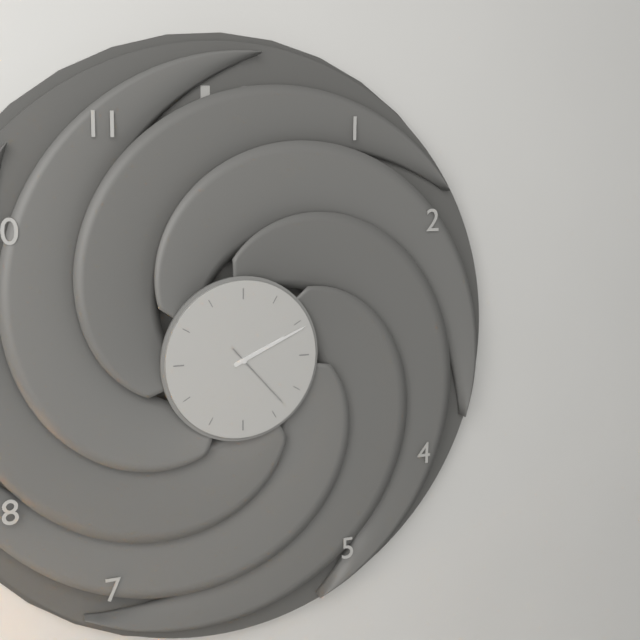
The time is 2:11:23
